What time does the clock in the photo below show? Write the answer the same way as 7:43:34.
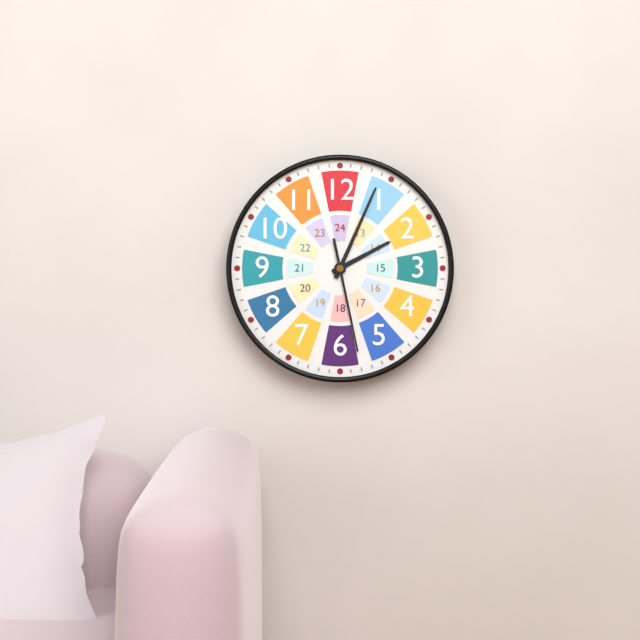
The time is 2:04:28
